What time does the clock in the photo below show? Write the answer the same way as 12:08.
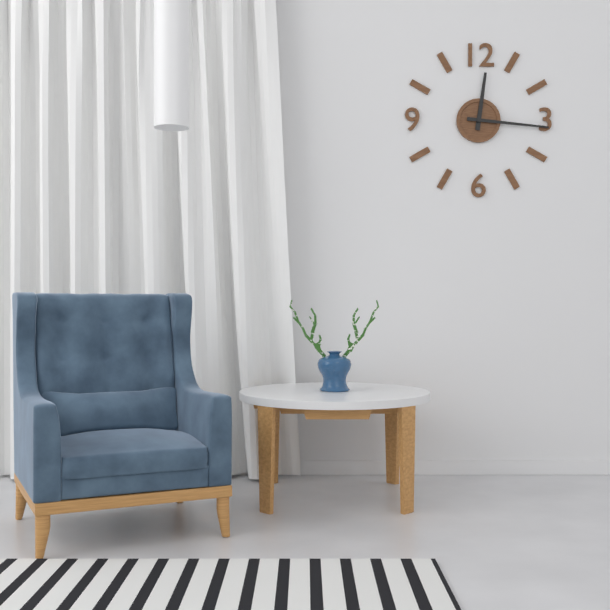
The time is 12:16
